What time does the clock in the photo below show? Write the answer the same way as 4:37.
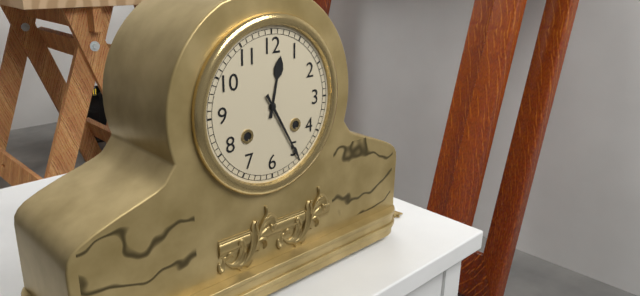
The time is 12:25
